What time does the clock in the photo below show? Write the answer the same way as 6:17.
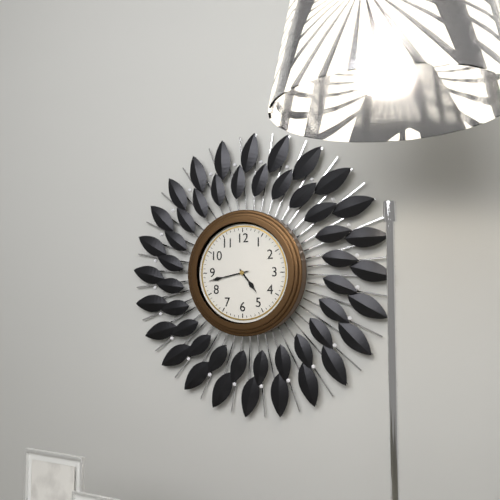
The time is 4:43
